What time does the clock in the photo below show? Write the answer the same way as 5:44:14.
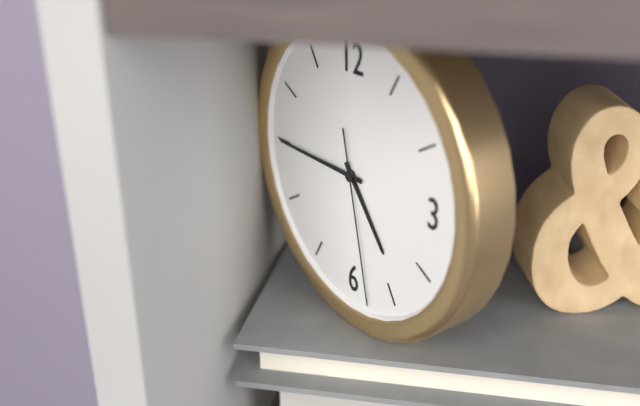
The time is 4:45:28
